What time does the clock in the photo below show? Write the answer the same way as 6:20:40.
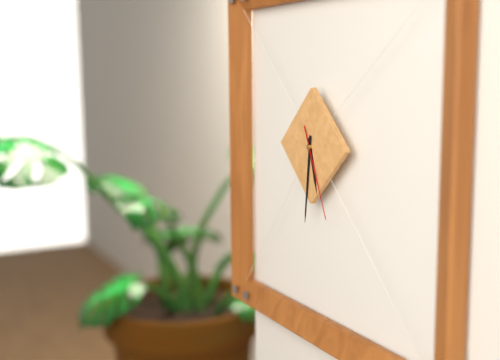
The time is 5:31:26
